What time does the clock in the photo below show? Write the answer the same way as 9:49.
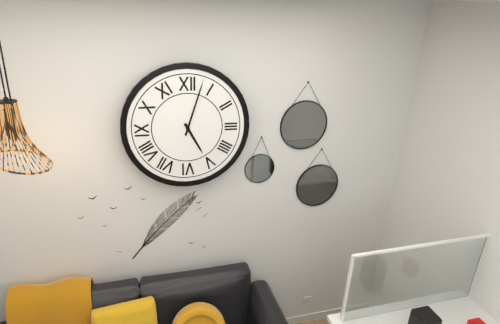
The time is 5:03
